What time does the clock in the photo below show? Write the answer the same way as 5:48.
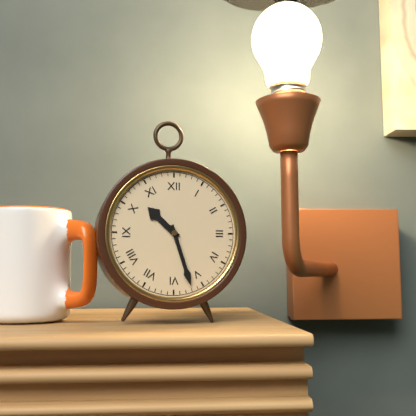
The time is 10:27
